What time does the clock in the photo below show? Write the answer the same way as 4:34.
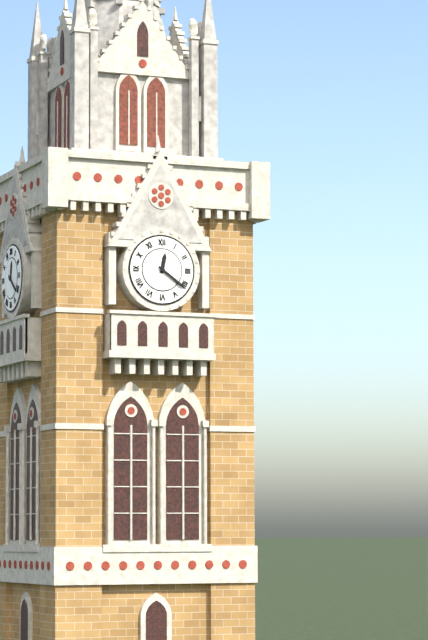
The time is 12:21
